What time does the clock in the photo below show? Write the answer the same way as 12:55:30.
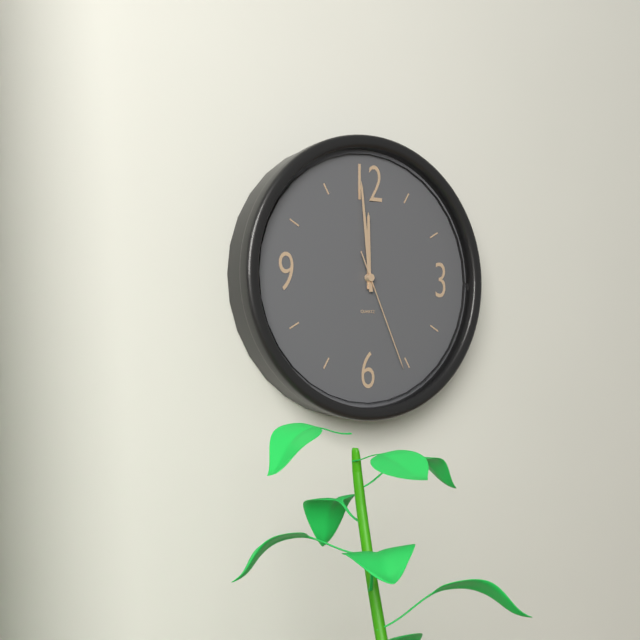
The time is 11:59:26
